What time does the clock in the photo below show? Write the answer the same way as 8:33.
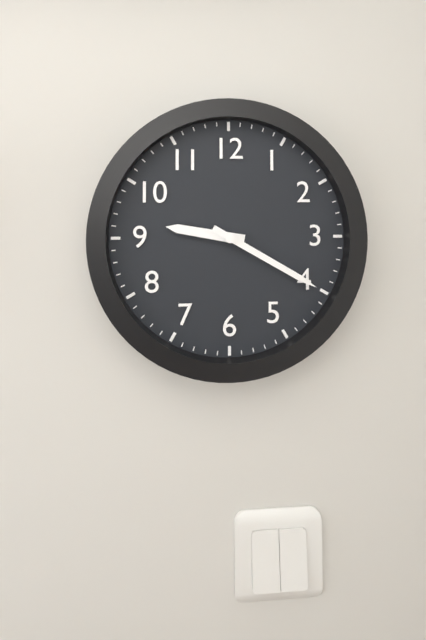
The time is 9:20
